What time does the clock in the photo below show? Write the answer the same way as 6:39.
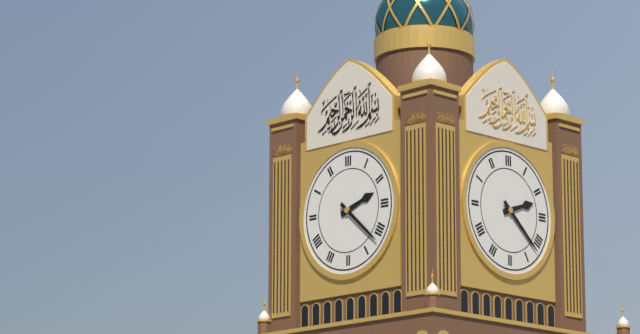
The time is 2:22
